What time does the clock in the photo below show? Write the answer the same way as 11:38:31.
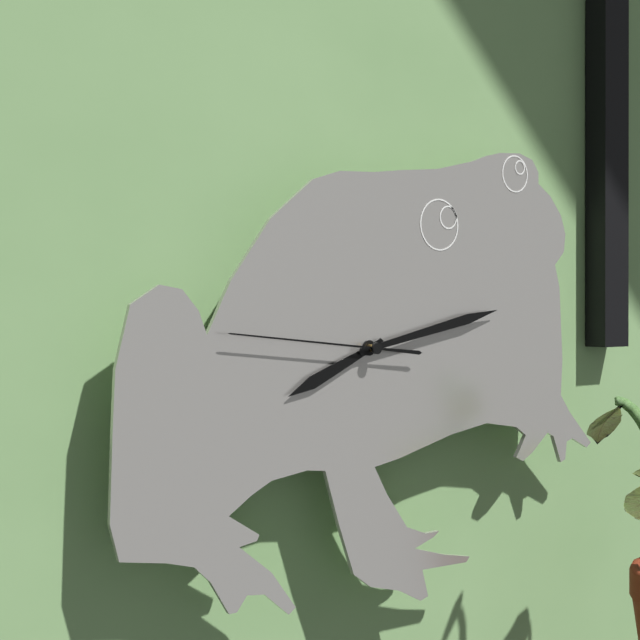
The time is 8:13:46
